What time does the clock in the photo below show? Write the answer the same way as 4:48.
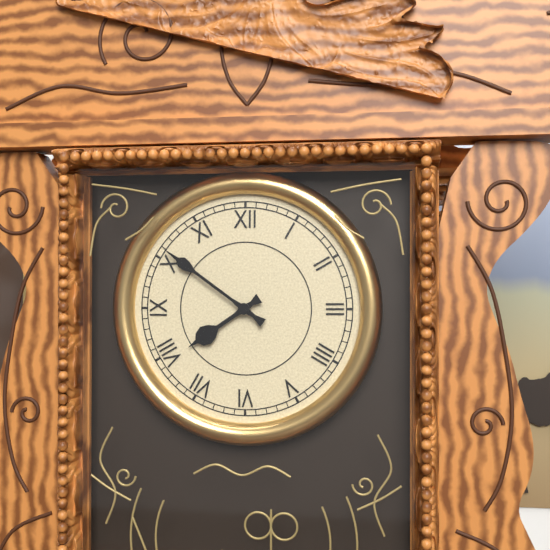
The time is 7:51
